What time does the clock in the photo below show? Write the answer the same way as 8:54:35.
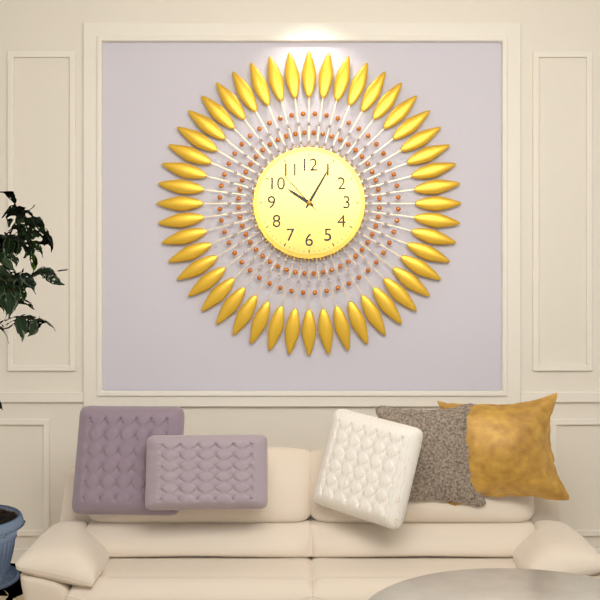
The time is 10:05:53
